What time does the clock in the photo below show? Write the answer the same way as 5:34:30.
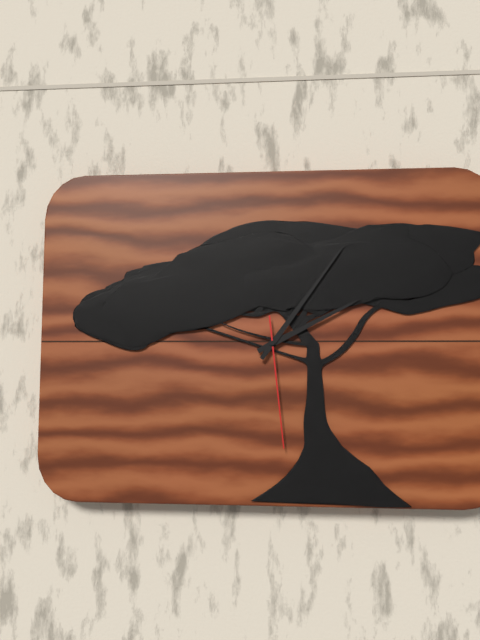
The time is 2:06:29
